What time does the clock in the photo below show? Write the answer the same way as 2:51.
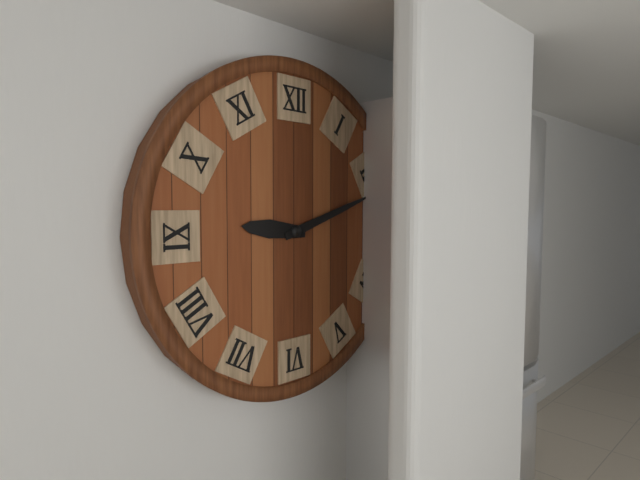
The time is 9:12
